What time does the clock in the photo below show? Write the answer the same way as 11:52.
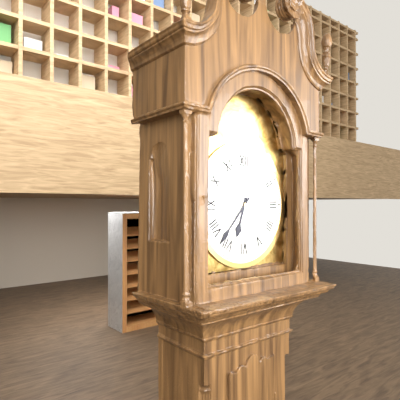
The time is 6:37
